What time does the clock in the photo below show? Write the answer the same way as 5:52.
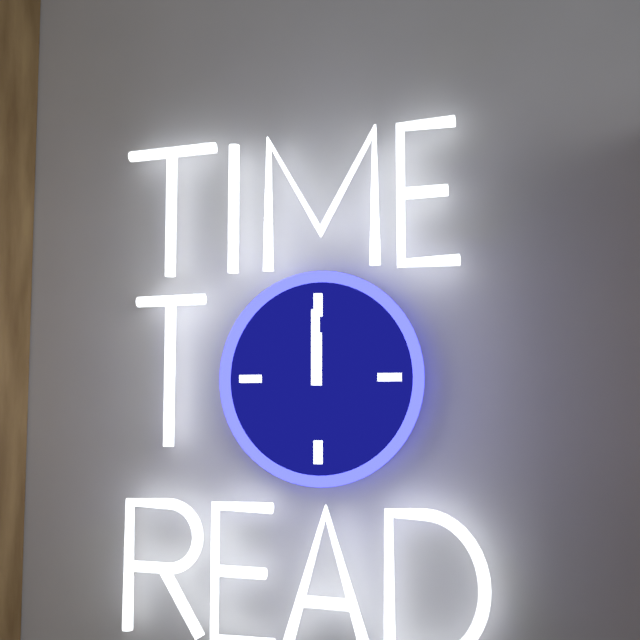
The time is 12:00
